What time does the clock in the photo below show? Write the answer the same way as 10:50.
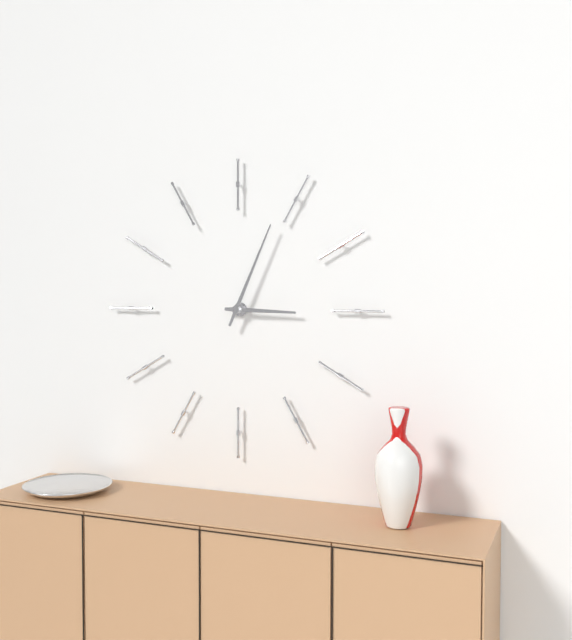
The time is 3:04
